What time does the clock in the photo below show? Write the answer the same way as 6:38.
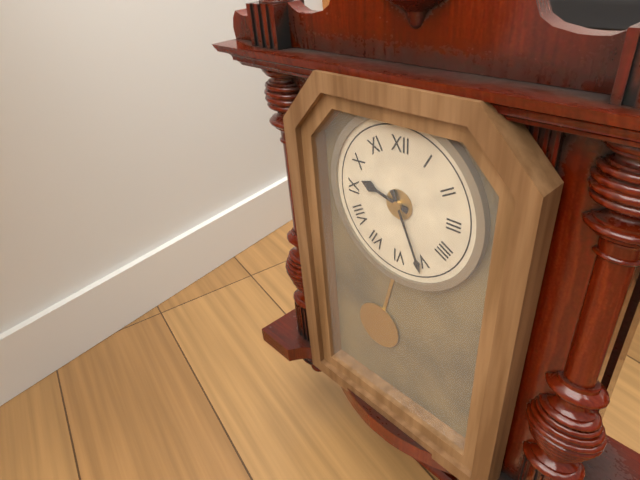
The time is 9:26
